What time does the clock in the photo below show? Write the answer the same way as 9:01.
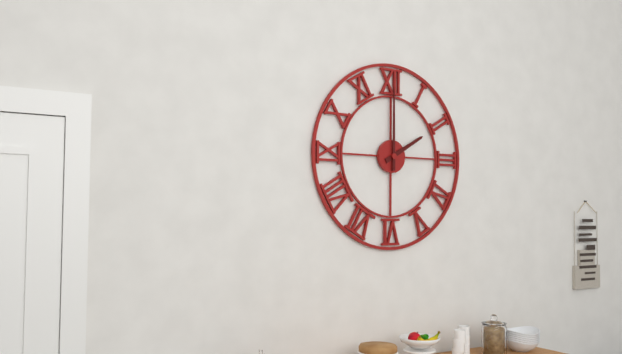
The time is 2:00
